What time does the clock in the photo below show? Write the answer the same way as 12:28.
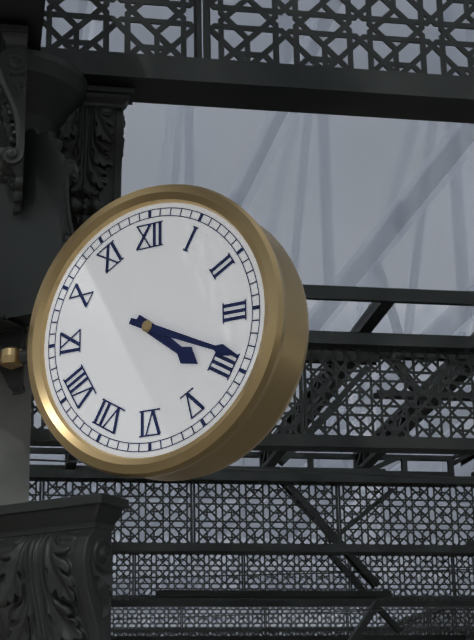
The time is 4:19
